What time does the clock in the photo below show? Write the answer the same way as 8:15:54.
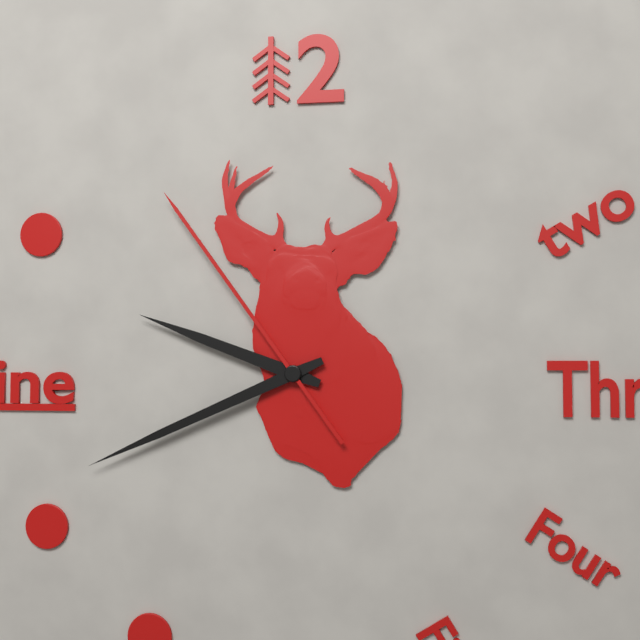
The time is 9:41:54
